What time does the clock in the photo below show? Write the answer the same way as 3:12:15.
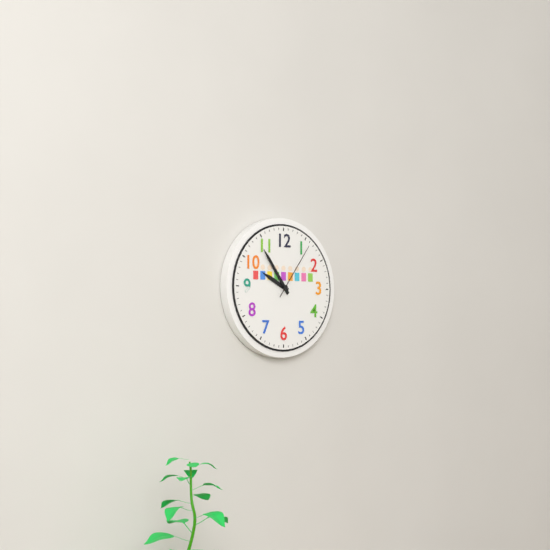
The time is 9:54:06
